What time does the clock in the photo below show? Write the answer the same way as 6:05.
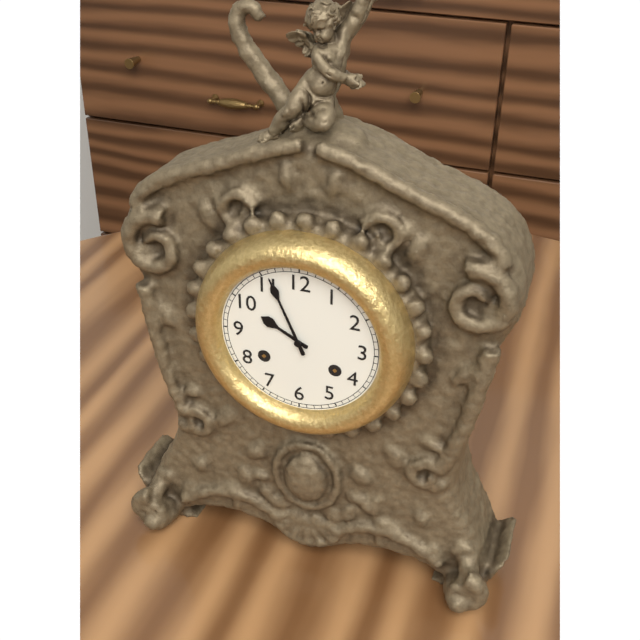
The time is 9:56
